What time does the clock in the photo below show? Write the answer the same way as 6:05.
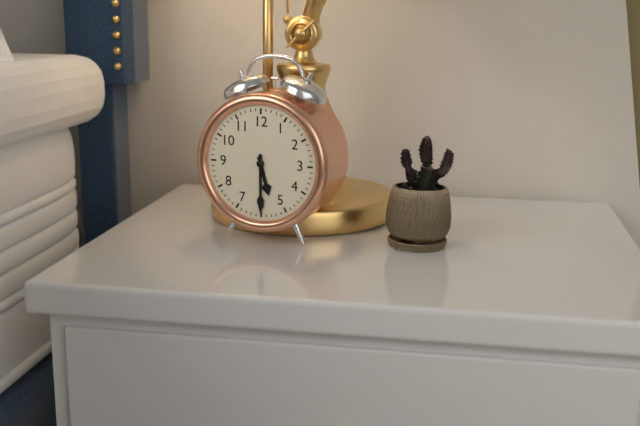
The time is 5:30
